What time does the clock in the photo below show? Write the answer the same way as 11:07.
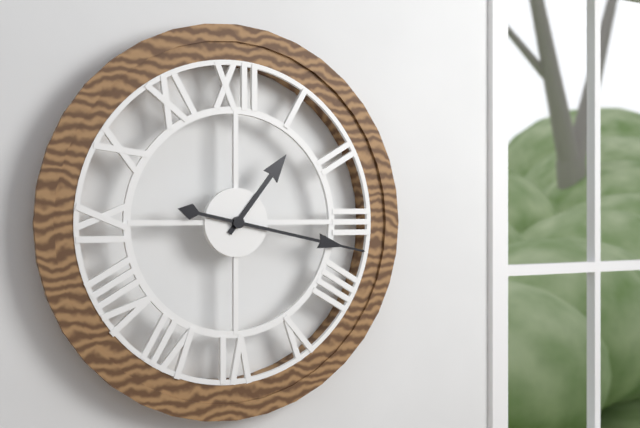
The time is 1:17
